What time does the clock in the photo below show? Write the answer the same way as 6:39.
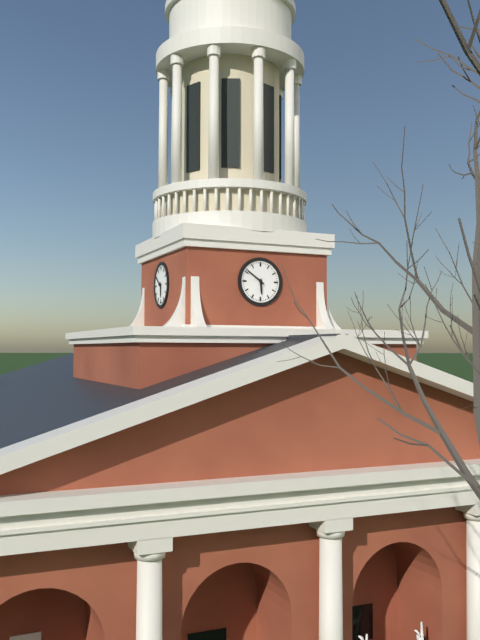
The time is 5:51
